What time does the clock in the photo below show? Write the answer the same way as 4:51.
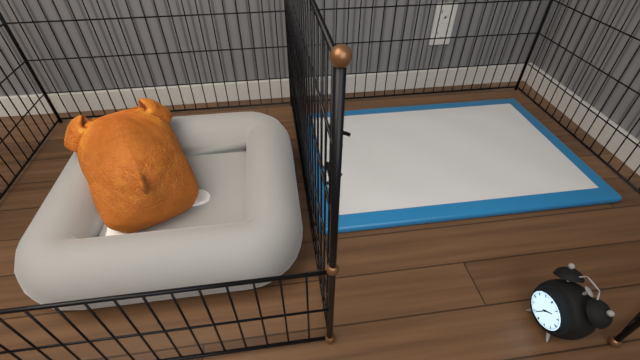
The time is 1:34
